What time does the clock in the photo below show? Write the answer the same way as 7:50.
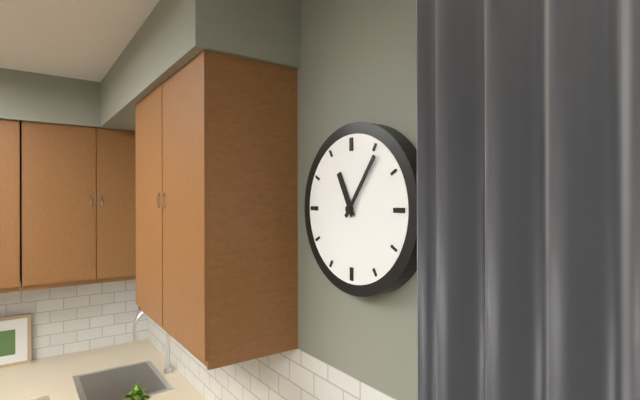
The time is 11:06
